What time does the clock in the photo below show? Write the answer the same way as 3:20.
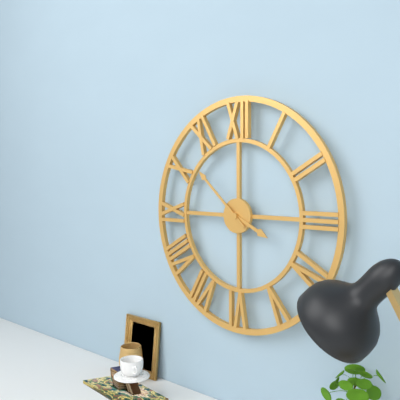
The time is 3:52
